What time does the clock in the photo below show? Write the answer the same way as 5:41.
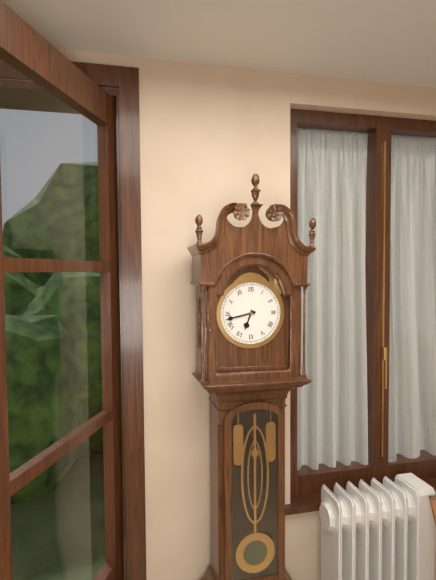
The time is 6:43
